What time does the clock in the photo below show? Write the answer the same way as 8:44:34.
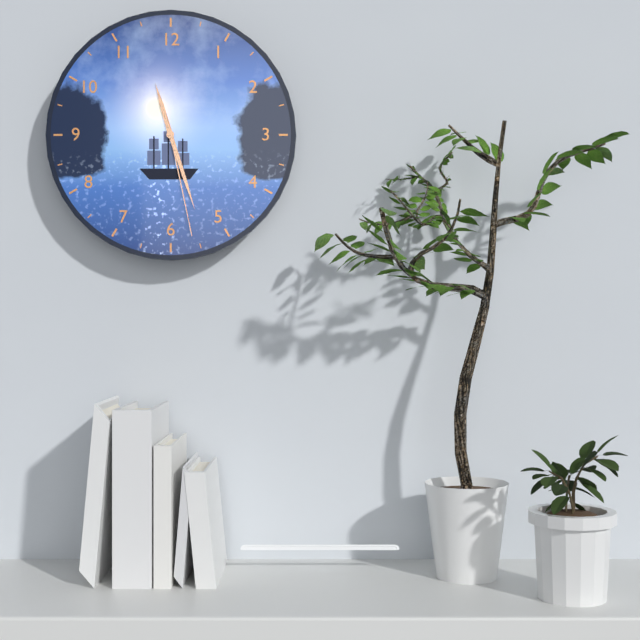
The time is 11:27:28
